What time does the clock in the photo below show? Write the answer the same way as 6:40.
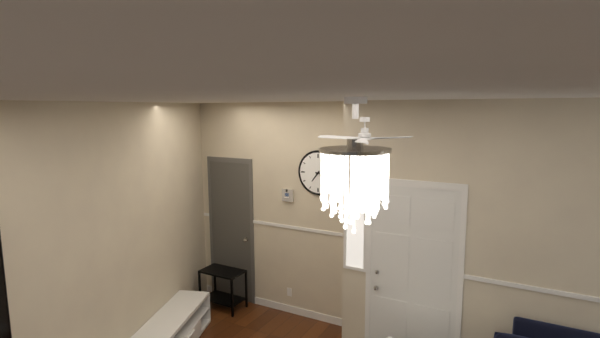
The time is 7:16
